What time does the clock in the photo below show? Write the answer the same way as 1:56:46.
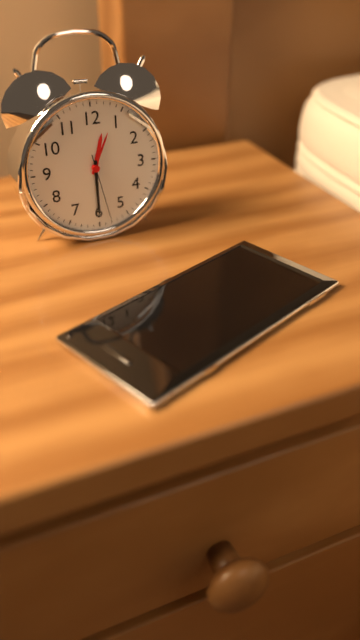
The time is 12:30:28
